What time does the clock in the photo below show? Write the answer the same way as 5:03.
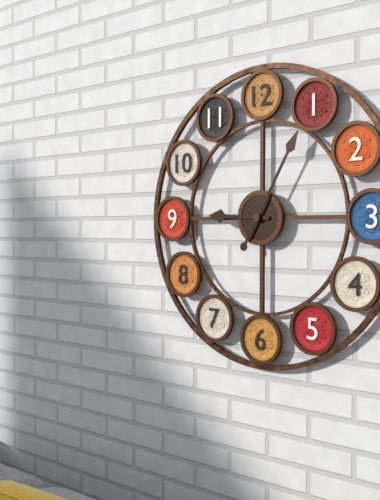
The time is 9:05
